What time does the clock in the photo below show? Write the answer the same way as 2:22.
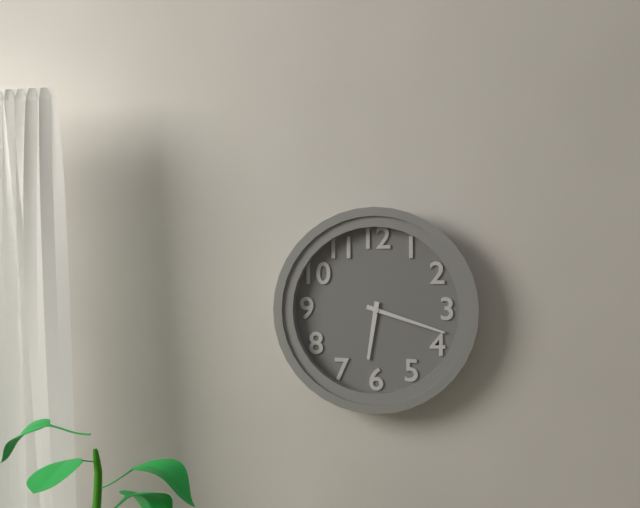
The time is 6:18
